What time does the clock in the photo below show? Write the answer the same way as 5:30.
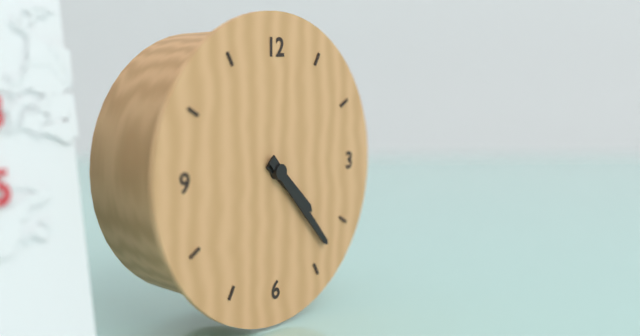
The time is 4:23
